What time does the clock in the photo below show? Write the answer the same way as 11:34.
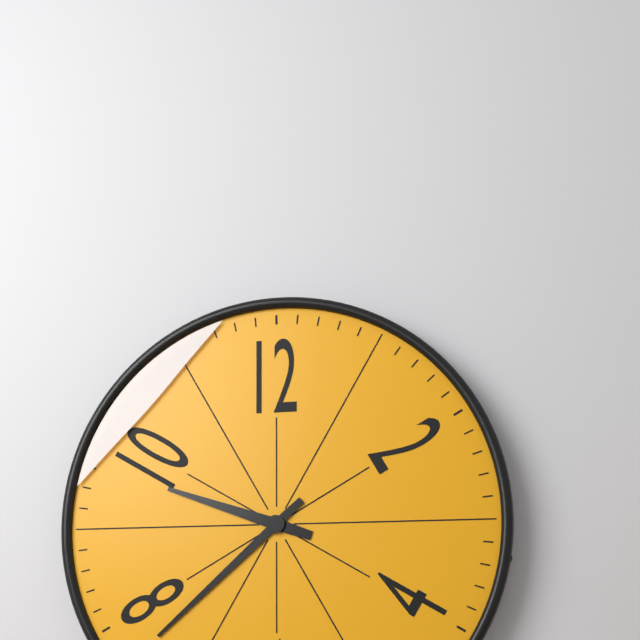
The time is 9:38
